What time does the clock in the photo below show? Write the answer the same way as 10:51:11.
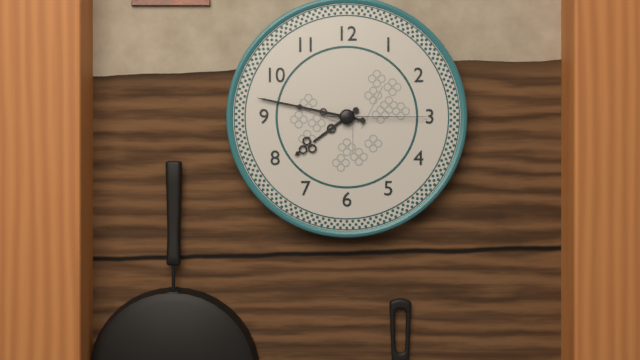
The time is 7:47:15
